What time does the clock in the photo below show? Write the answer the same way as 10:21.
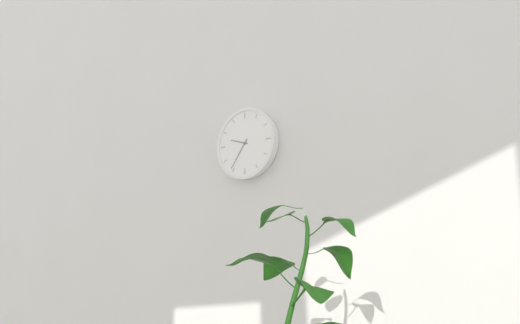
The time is 9:36
